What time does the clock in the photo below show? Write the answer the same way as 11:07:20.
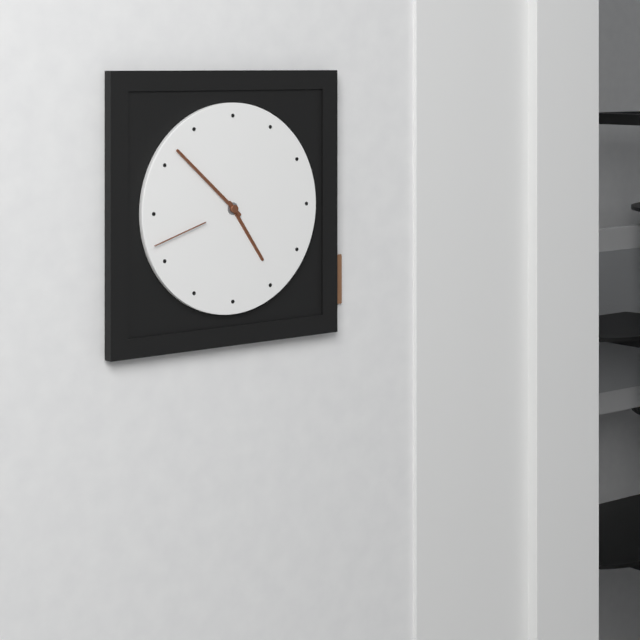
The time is 4:52:42
